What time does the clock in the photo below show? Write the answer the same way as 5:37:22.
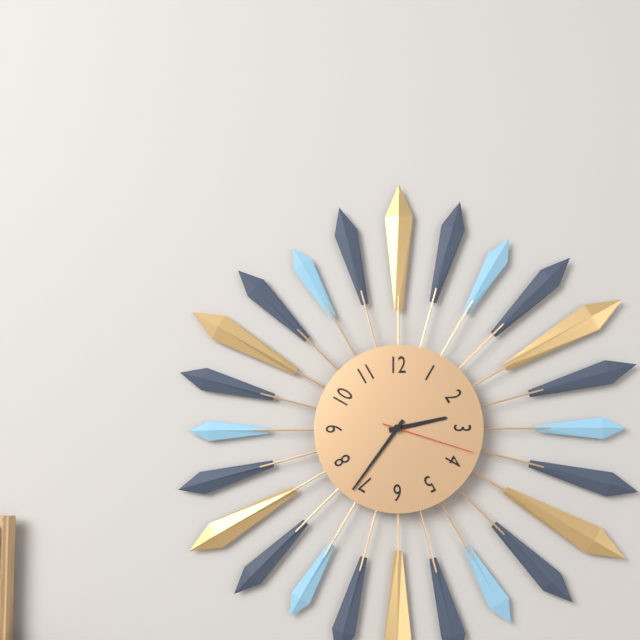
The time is 2:36:18
